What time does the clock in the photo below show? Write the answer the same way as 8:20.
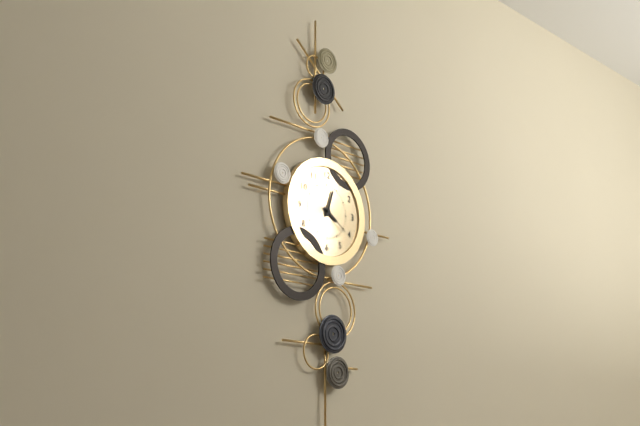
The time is 4:03
